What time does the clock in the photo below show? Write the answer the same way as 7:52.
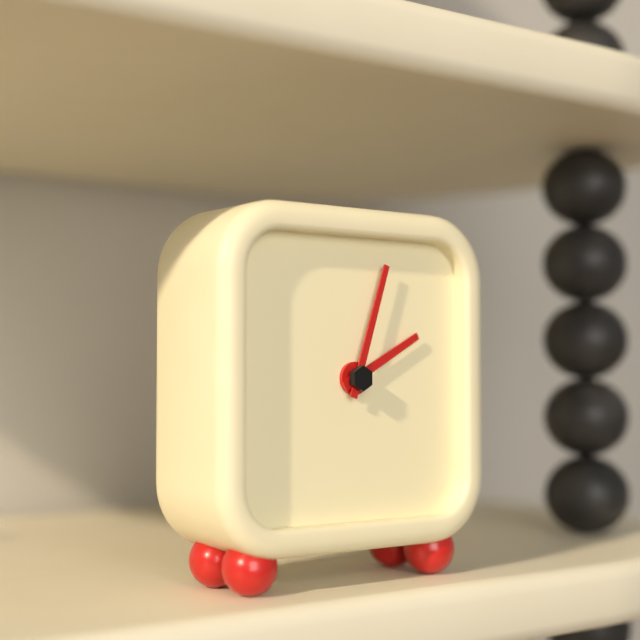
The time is 2:03
